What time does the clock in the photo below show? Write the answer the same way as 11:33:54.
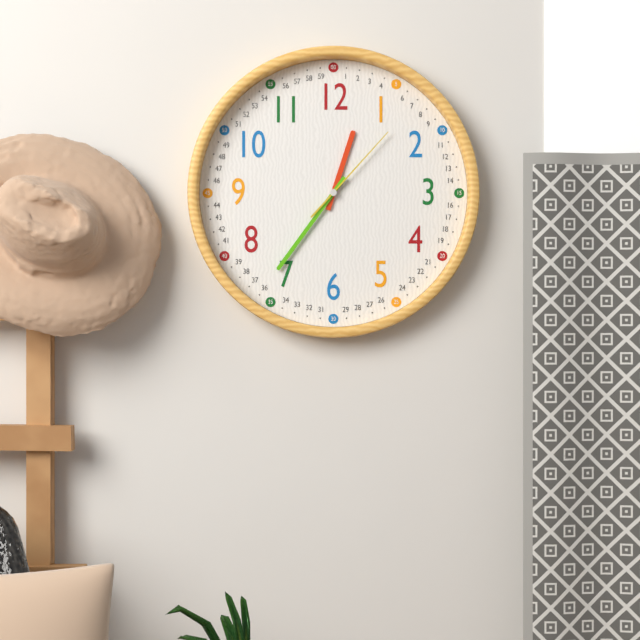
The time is 12:36:07
